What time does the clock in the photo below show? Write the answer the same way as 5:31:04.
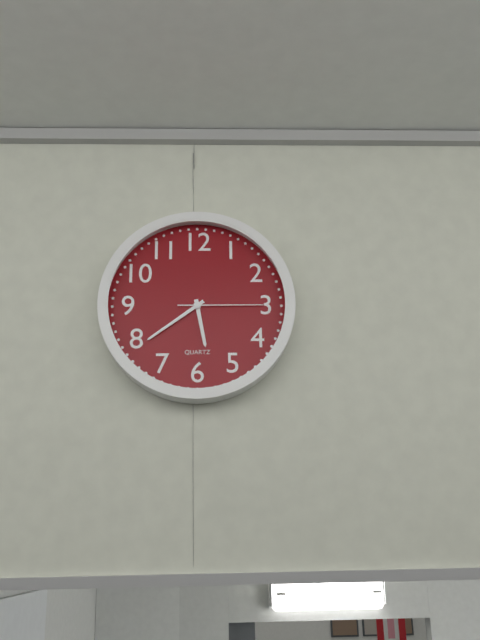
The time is 5:39:15
